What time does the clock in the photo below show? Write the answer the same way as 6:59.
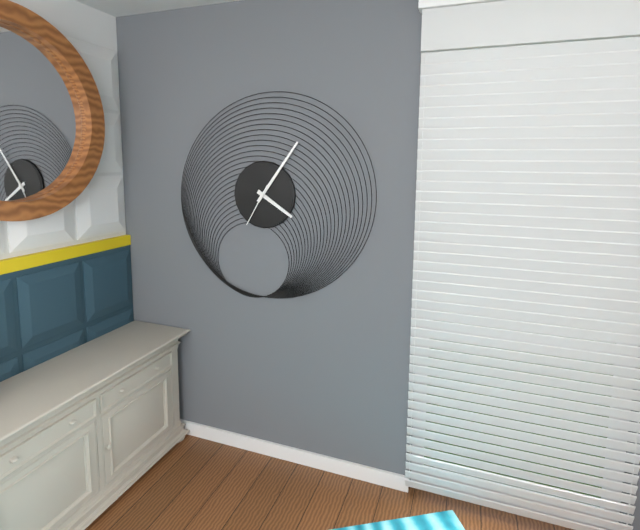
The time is 4:06
